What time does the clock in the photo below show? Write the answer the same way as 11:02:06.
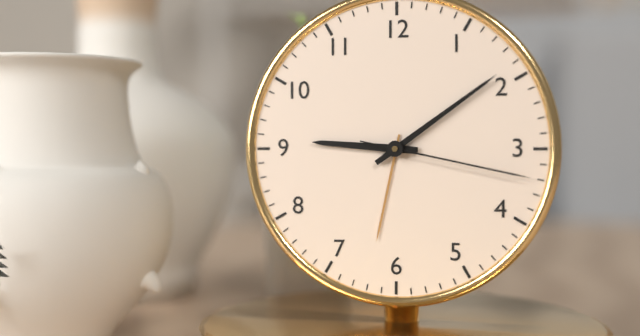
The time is 9:09:17
